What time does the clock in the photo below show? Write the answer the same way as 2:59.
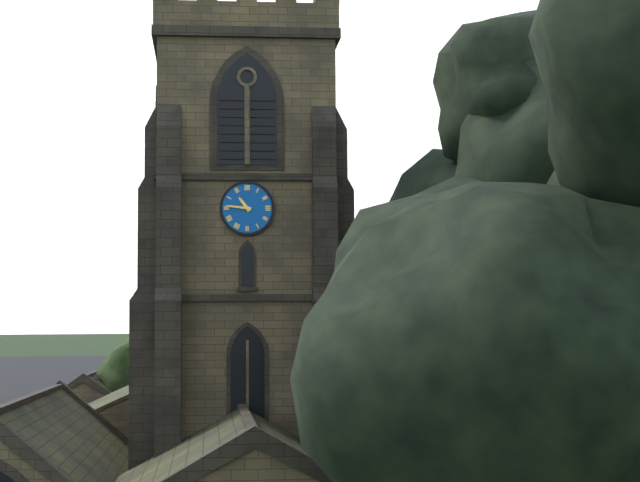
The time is 10:46
